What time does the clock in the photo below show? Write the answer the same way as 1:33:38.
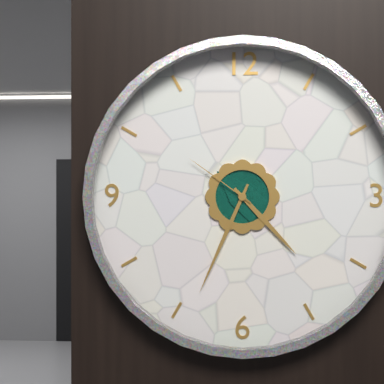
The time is 4:34:51
